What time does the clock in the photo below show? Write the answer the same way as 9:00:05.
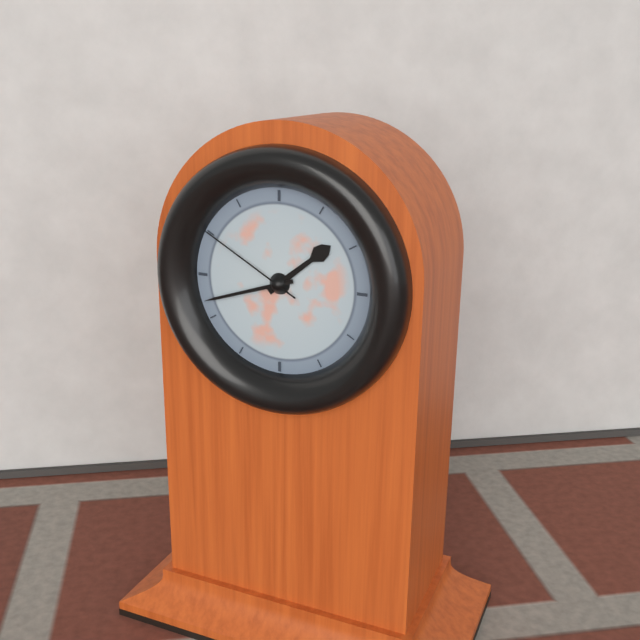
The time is 1:42:50
